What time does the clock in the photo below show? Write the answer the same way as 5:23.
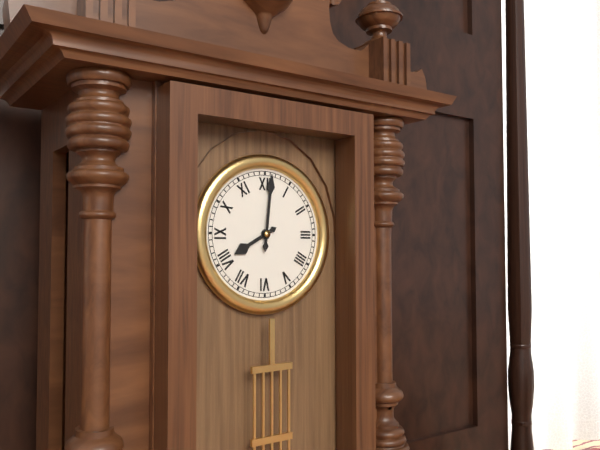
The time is 8:01
